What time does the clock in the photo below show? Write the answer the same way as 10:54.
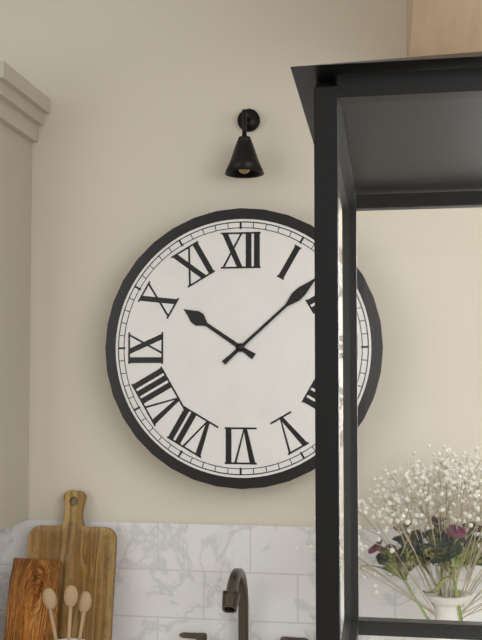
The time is 10:08
